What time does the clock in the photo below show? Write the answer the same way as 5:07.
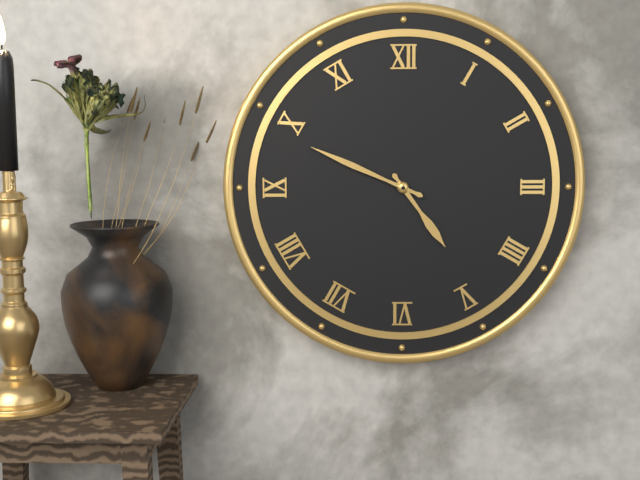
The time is 4:49
